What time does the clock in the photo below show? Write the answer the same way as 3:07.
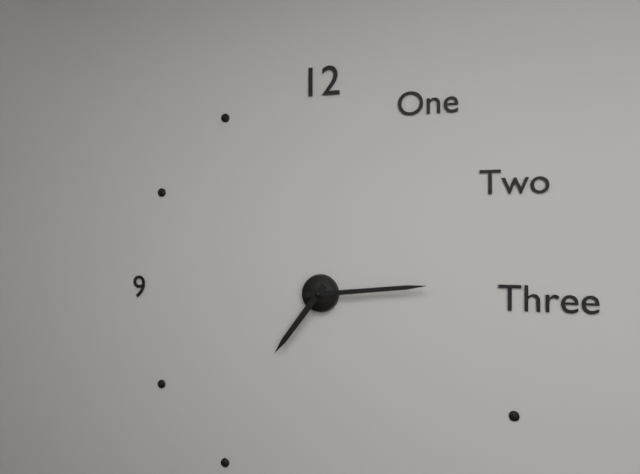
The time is 7:14
